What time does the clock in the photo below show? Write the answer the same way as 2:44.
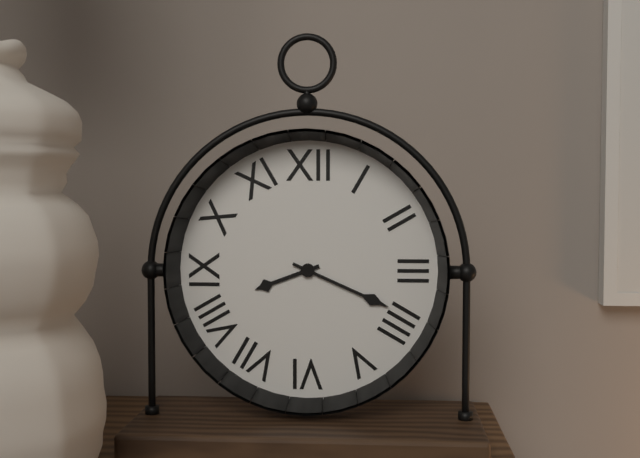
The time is 8:19
